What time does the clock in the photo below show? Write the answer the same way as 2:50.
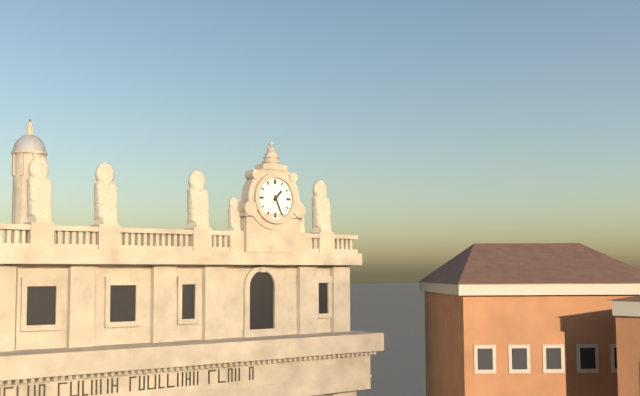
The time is 1:26
